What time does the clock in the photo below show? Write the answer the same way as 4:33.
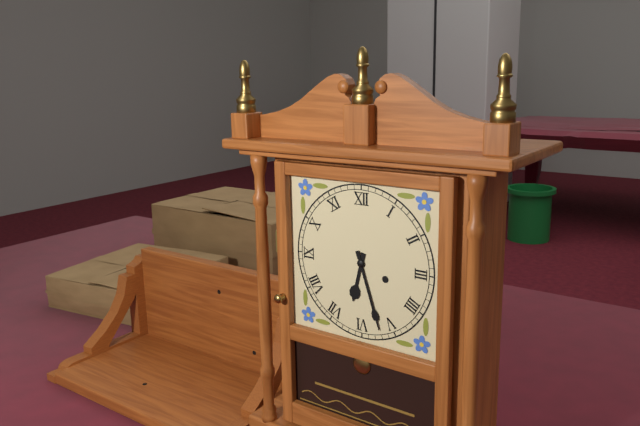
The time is 6:27
